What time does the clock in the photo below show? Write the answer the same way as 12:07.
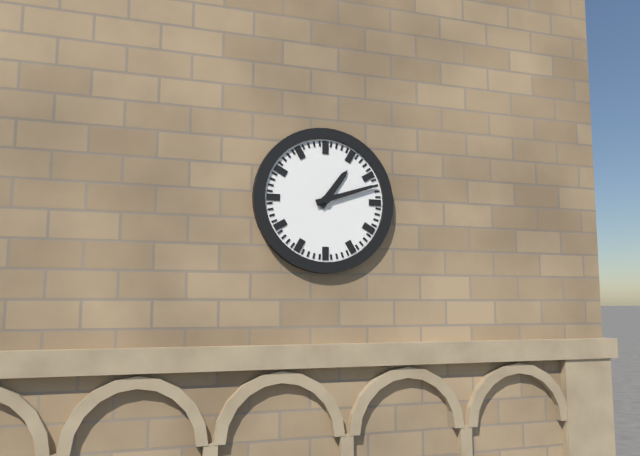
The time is 1:12
